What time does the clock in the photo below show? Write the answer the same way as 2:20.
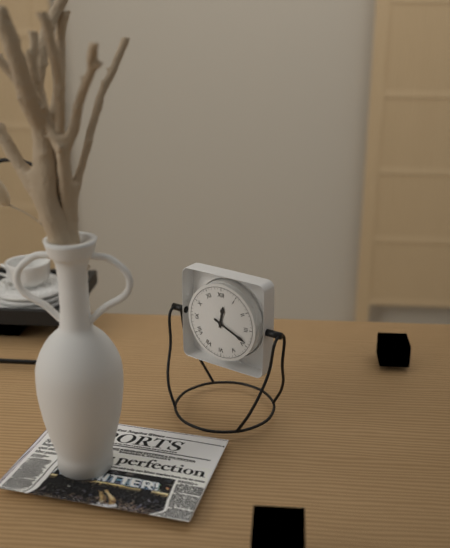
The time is 12:19
